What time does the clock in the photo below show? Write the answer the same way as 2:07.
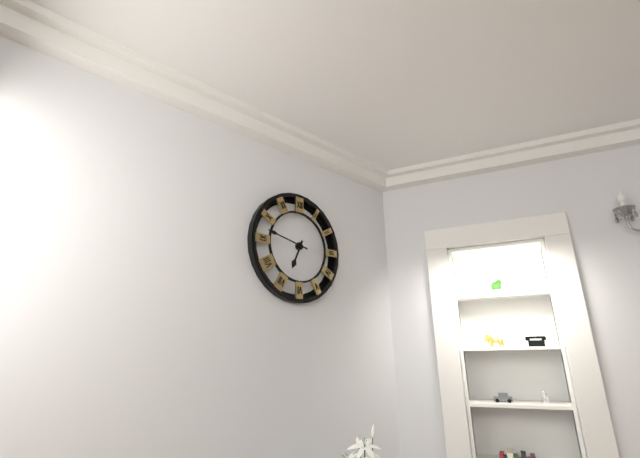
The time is 6:47
